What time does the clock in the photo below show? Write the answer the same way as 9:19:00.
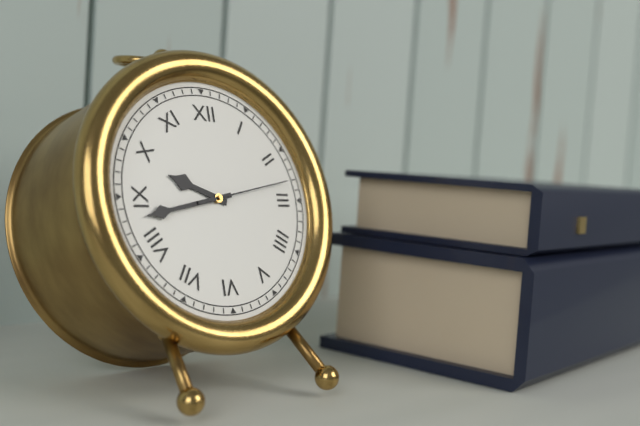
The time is 9:43:13
